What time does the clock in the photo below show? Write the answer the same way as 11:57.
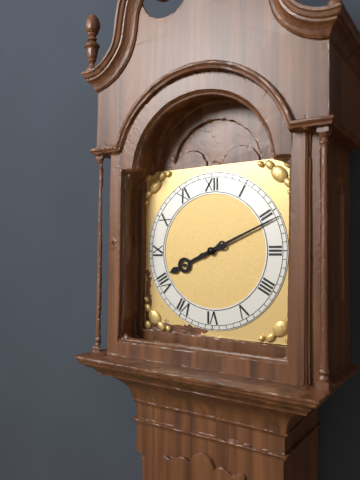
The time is 8:11
